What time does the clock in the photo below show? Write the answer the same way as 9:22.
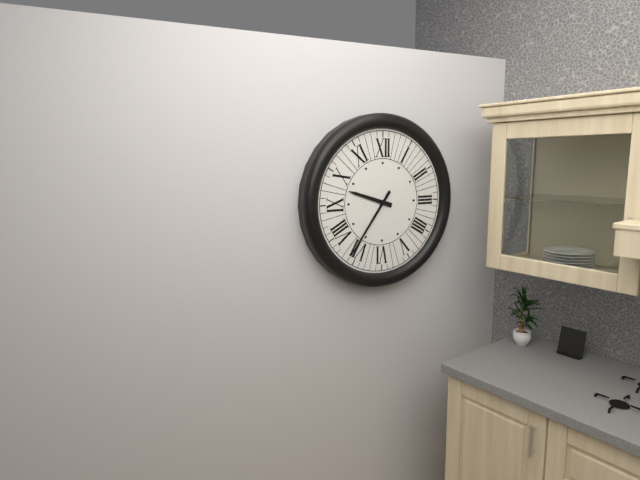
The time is 9:36
